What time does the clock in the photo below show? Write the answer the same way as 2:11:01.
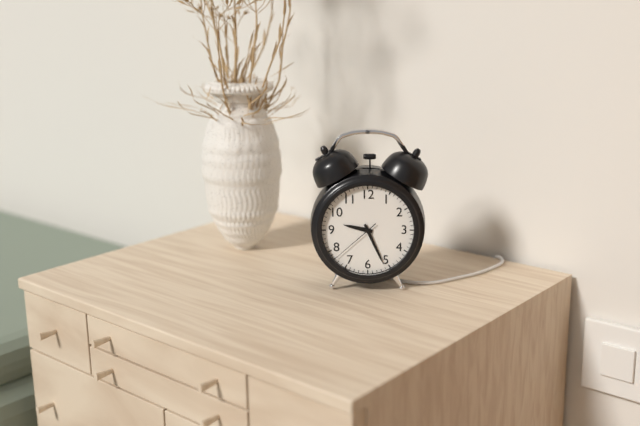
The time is 9:26:38
